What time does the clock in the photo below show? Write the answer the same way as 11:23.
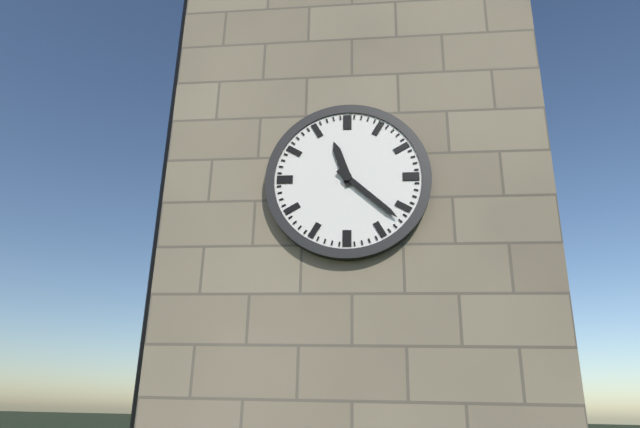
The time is 11:22
